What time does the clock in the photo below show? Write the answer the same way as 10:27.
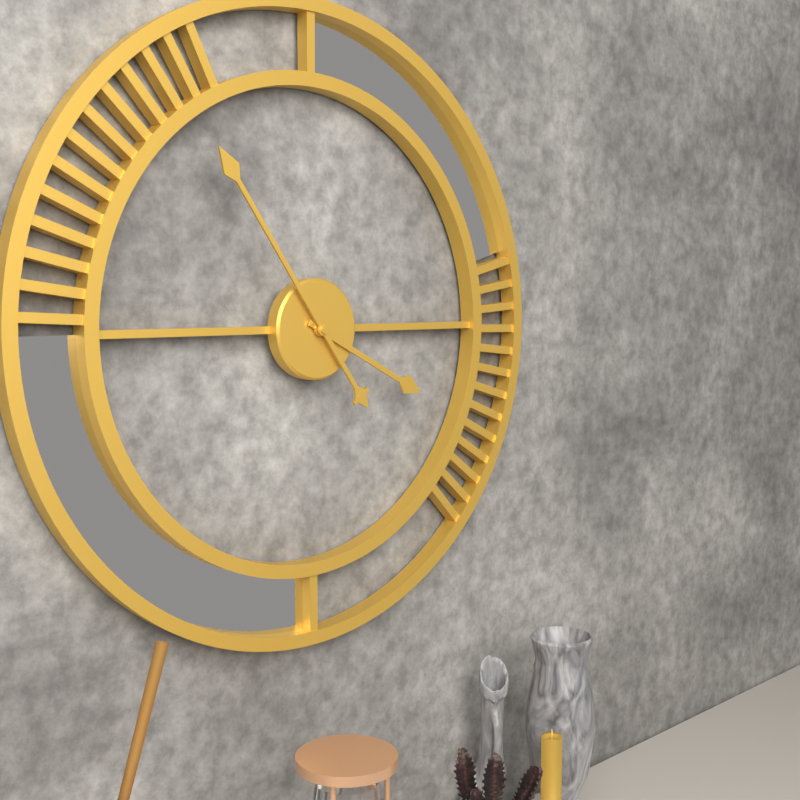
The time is 3:54
